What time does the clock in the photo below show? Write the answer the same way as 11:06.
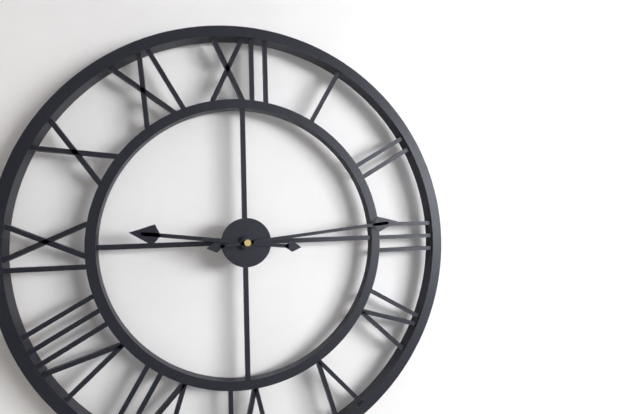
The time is 9:14
